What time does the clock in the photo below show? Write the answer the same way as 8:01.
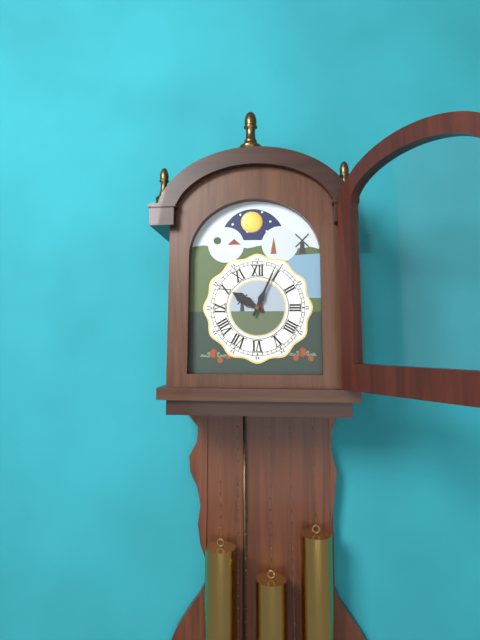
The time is 10:04
